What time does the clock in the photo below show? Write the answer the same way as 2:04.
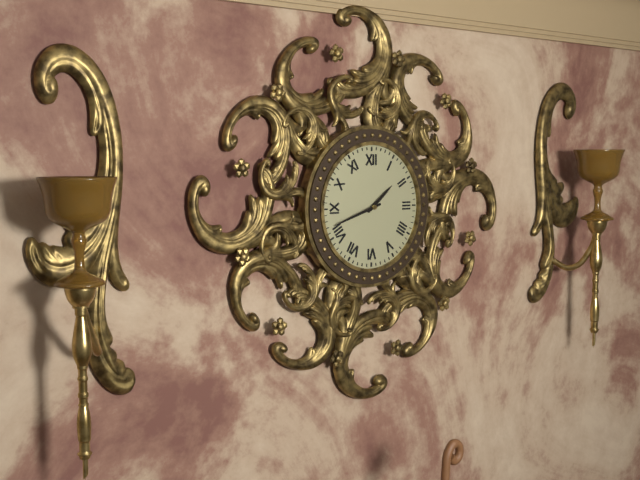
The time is 1:42
